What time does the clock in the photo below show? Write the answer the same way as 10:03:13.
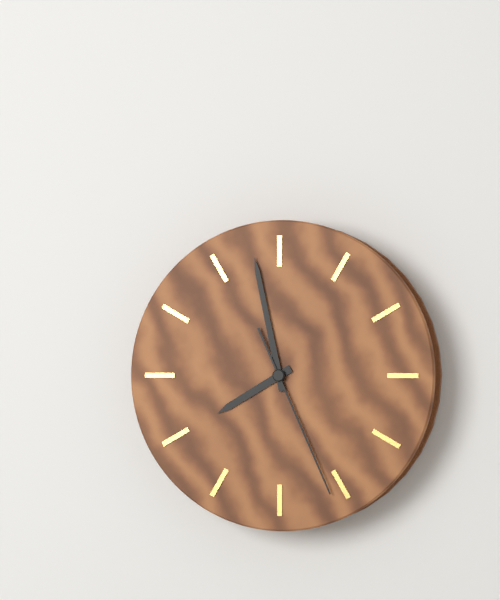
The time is 7:58:26
